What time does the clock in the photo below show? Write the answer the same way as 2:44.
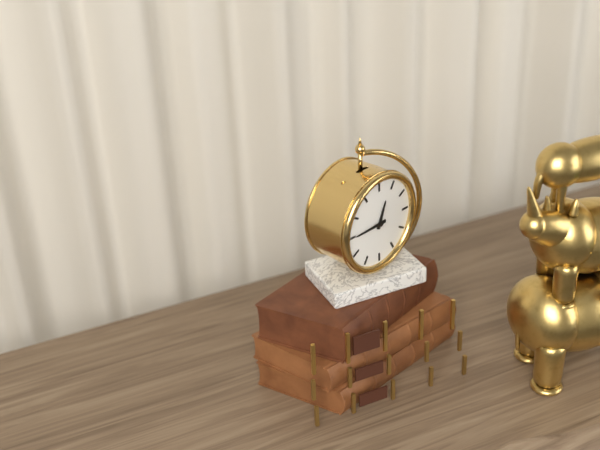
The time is 12:45
